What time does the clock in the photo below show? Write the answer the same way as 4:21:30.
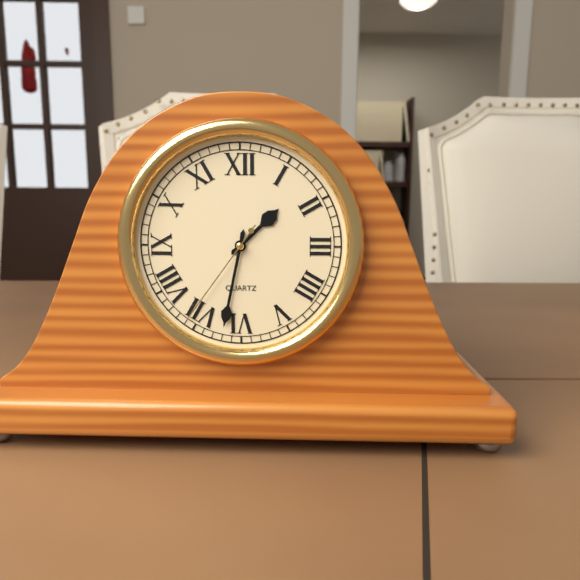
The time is 1:32:36
